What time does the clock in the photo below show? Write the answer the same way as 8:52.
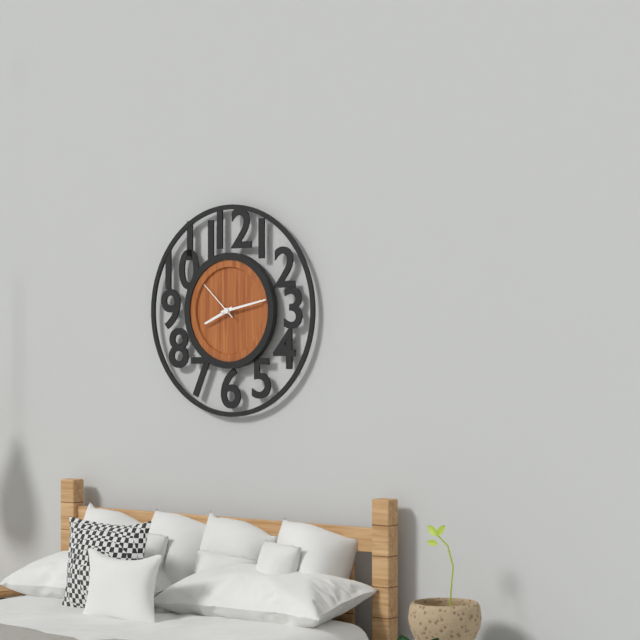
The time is 8:13
